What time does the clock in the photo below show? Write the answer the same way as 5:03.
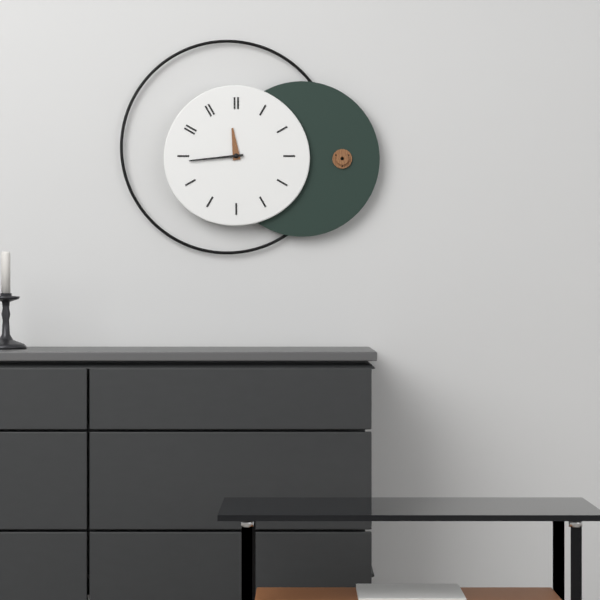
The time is 11:44
